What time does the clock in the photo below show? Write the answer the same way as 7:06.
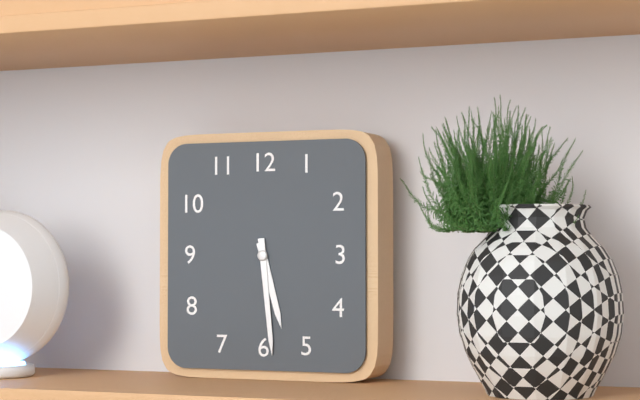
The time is 5:29
